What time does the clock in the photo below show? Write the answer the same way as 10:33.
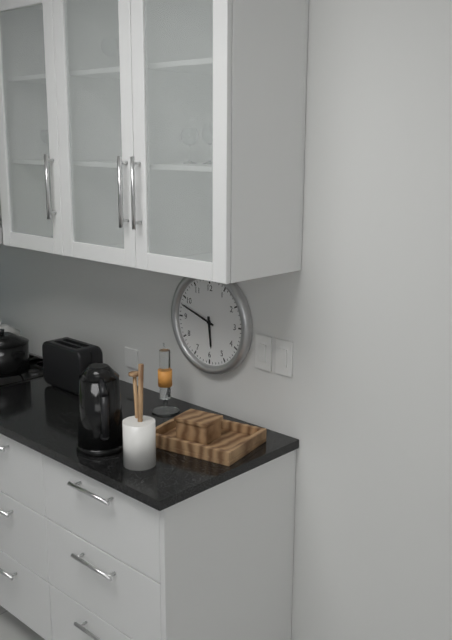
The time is 5:48
